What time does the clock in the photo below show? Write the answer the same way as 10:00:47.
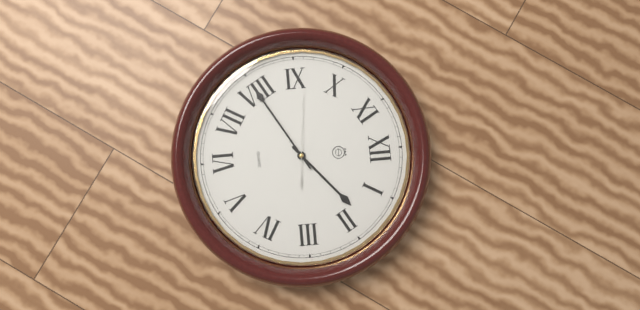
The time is 1:40:46
